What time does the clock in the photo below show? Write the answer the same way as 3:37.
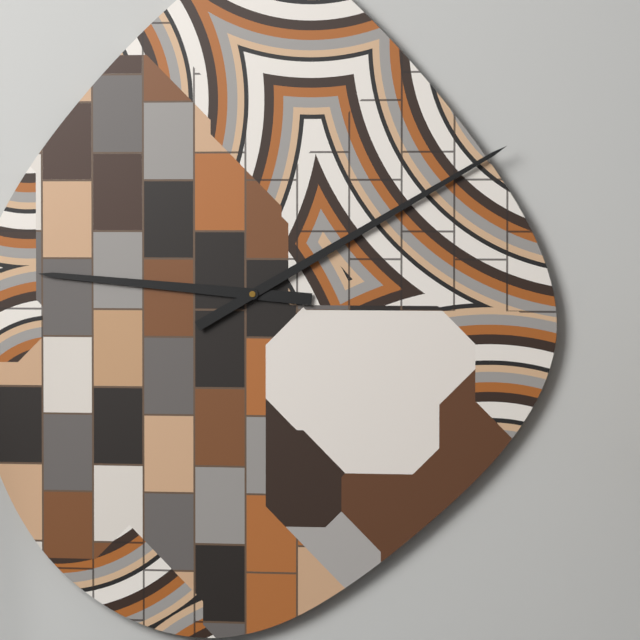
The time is 9:10
